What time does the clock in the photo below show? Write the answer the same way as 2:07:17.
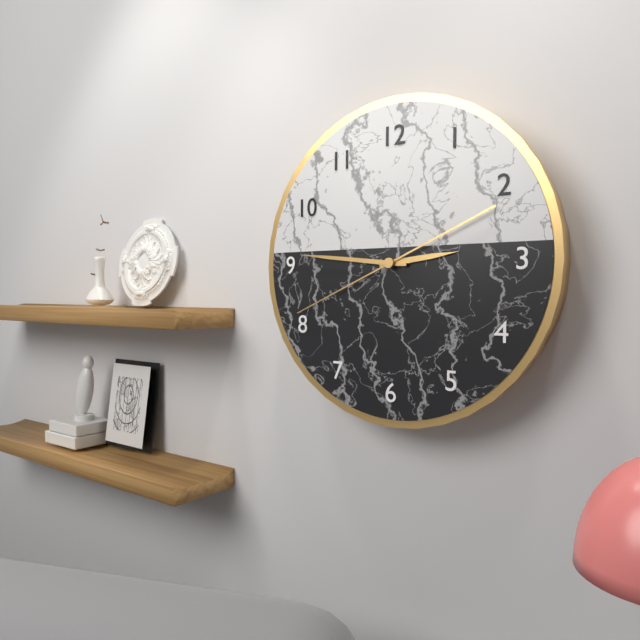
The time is 2:46:41
